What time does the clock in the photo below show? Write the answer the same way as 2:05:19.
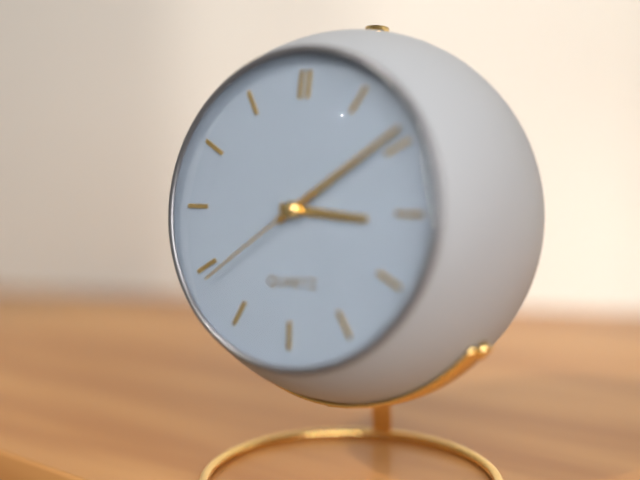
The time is 3:09:39
